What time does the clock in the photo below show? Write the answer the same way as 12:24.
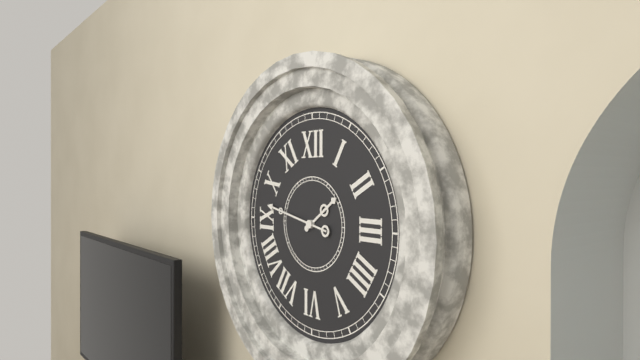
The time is 1:47
